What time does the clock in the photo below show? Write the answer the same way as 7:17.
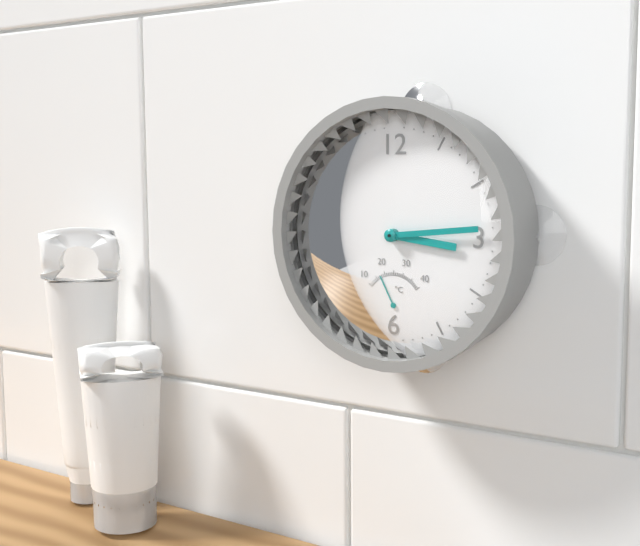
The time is 3:14
